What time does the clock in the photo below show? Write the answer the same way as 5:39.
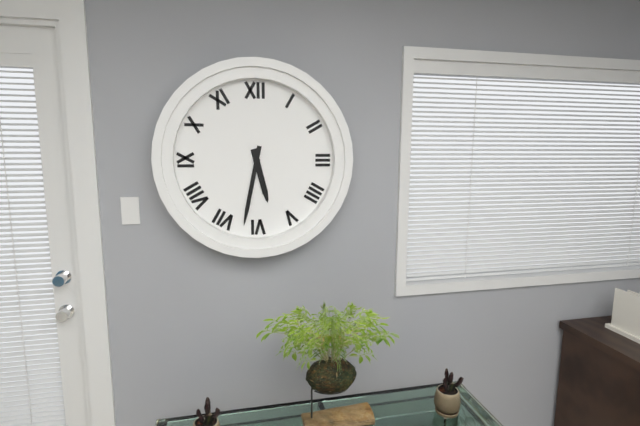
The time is 5:32
